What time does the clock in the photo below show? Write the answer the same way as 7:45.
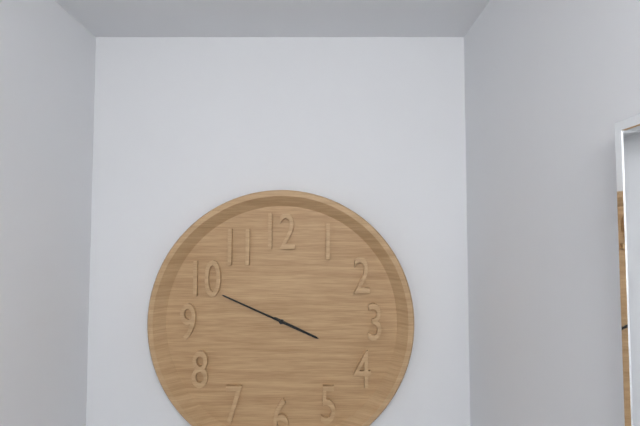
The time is 3:49
